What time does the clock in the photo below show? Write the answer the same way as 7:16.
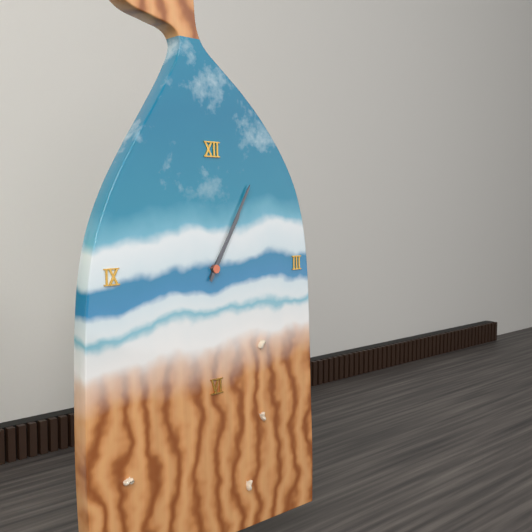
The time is 1:05
